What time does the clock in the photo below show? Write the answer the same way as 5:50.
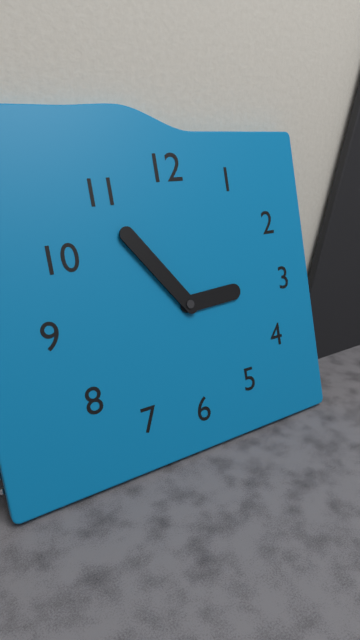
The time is 2:54
